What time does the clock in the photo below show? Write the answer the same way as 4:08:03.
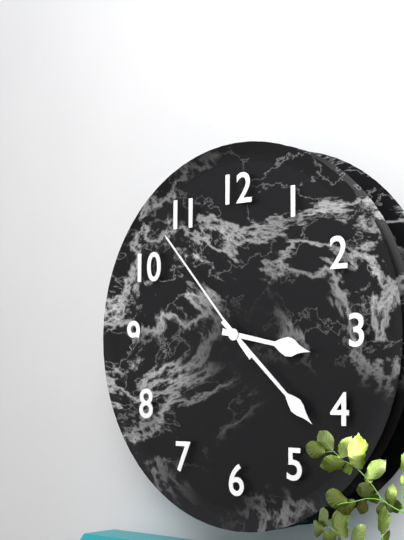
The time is 3:22:53
